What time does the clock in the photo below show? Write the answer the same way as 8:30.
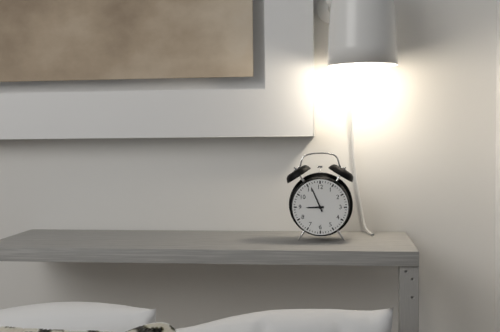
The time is 8:56
